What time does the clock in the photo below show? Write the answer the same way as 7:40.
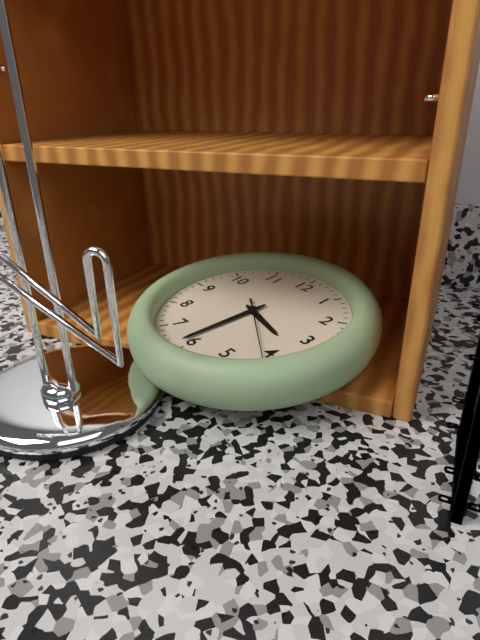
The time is 3:31
